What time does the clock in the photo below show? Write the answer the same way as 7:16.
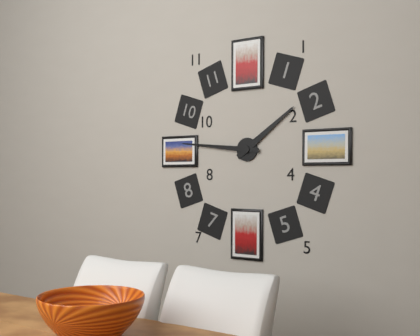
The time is 1:46
